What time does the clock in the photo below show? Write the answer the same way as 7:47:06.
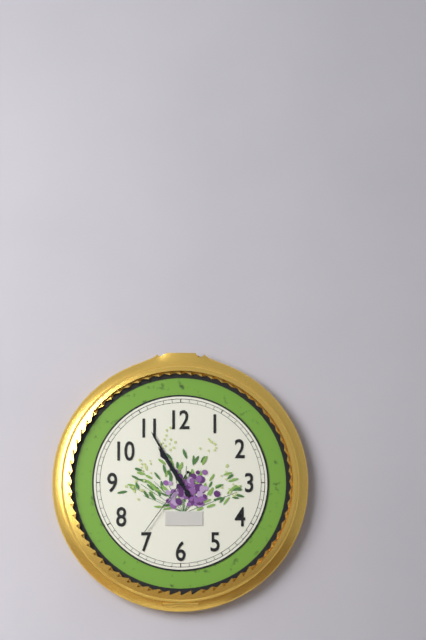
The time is 10:55:36
